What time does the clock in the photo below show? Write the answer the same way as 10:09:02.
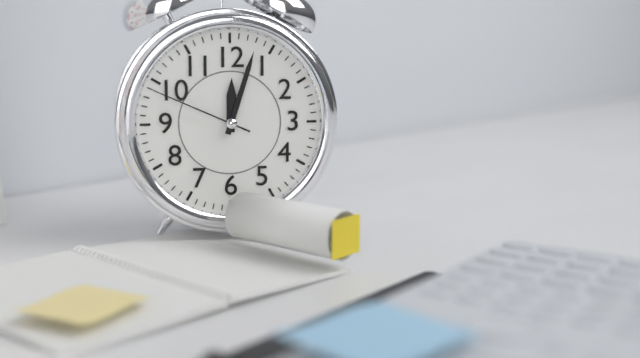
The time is 12:03:49
